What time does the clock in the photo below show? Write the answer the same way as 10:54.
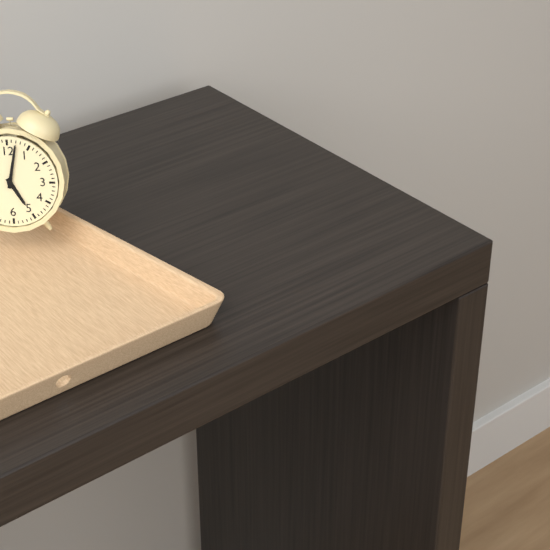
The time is 5:02
